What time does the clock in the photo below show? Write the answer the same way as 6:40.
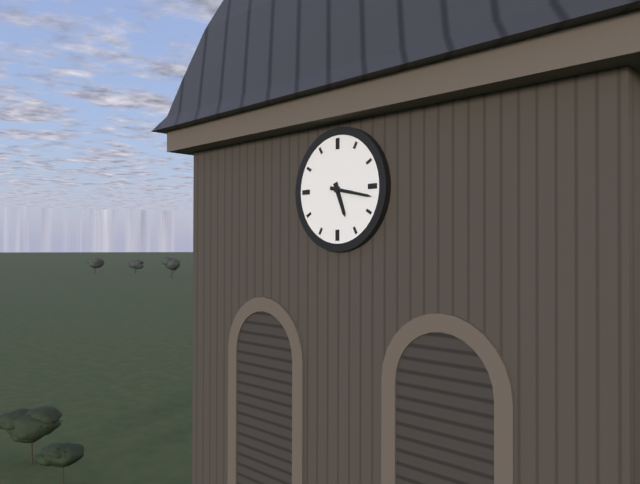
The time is 5:17
